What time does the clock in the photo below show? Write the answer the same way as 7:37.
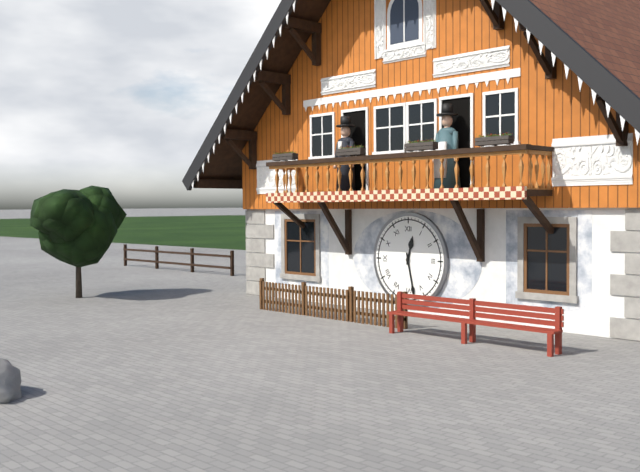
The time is 12:28
